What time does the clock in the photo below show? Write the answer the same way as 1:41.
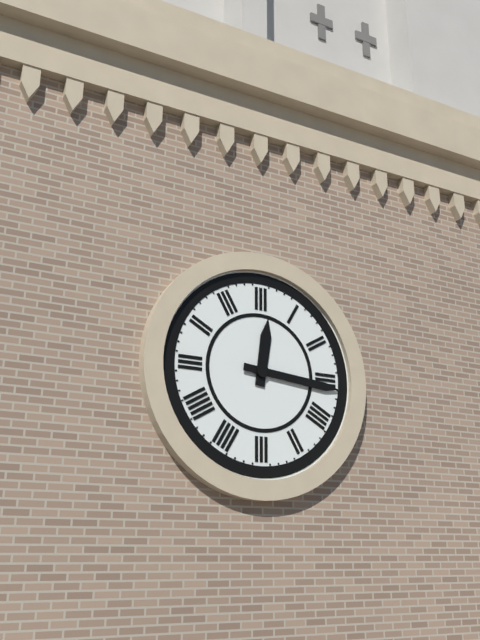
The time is 12:16
